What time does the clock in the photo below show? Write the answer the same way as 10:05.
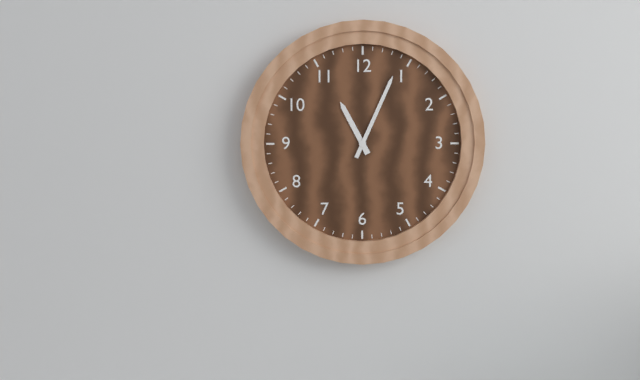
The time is 11:04
